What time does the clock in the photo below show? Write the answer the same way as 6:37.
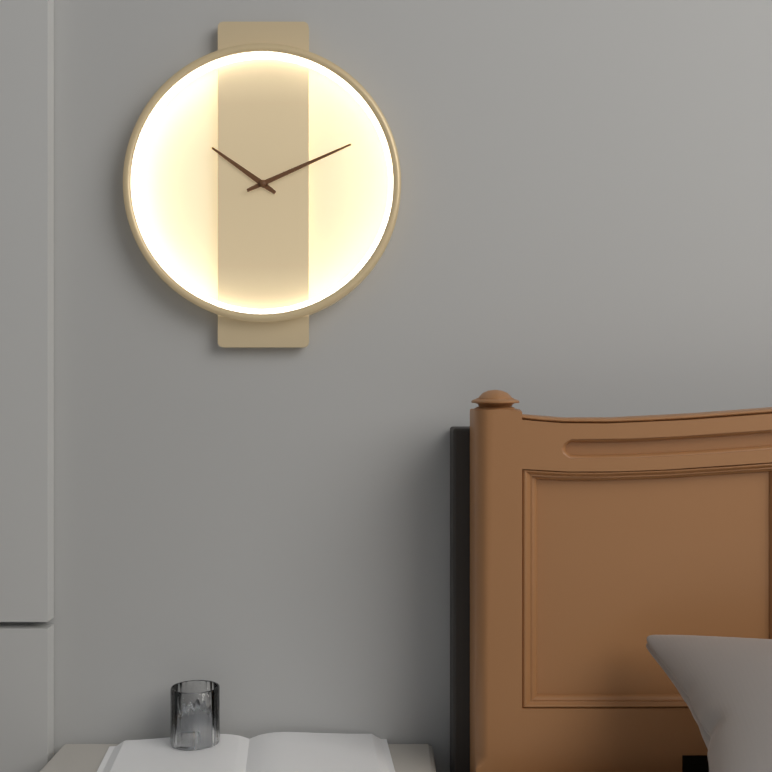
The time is 10:11
